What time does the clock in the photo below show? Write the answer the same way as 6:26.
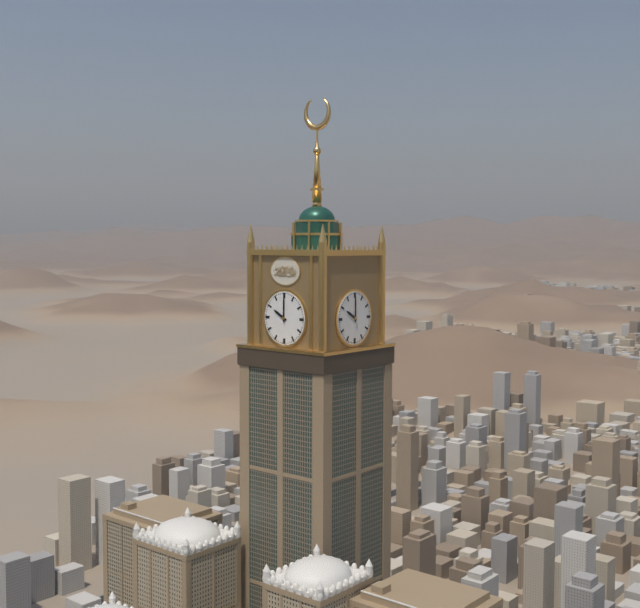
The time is 10:00
